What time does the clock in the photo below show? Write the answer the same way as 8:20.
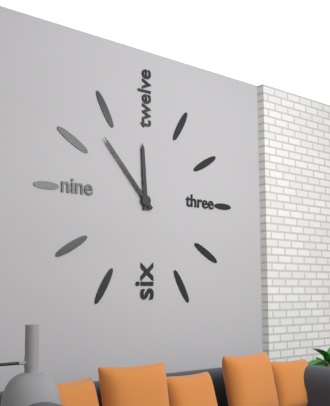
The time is 11:53
